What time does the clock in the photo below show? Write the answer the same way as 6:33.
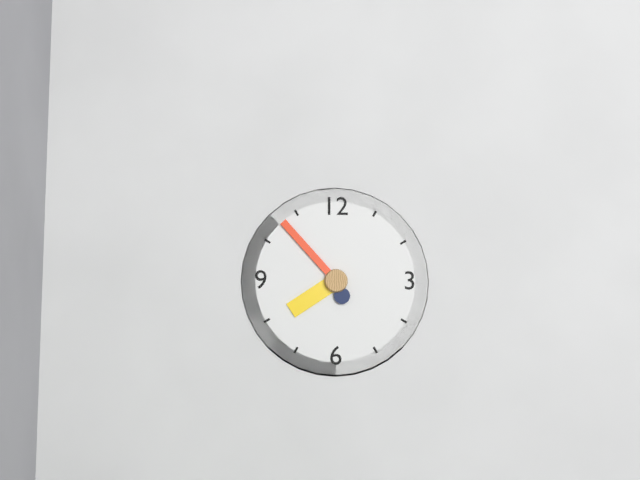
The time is 7:53
